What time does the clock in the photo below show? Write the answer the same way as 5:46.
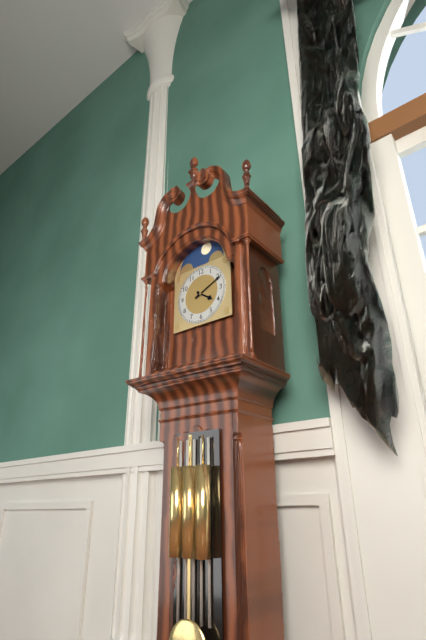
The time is 4:11
